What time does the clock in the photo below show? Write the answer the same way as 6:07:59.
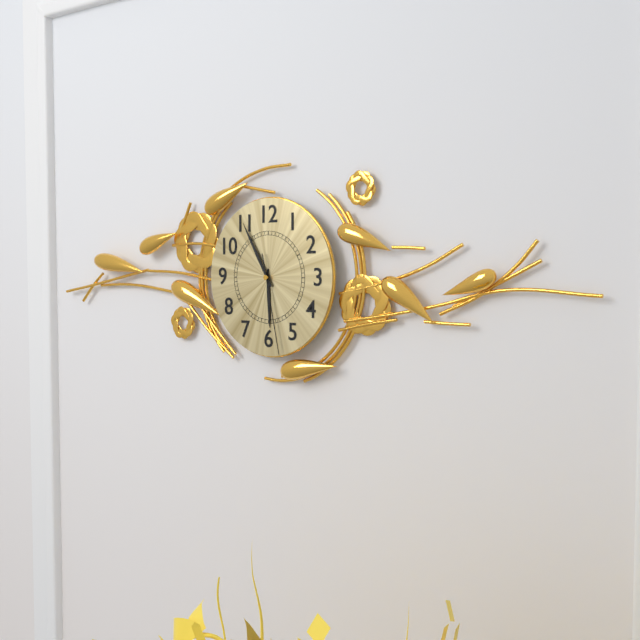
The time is 5:55:28
